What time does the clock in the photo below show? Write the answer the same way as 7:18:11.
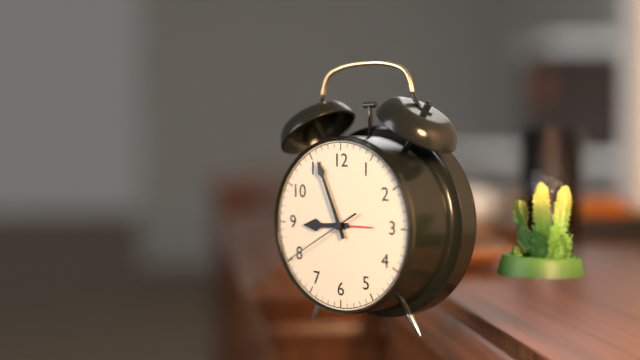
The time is 8:56:40
